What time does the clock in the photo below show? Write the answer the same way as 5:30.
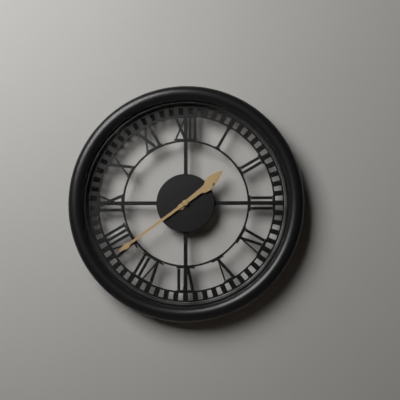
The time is 1:39
